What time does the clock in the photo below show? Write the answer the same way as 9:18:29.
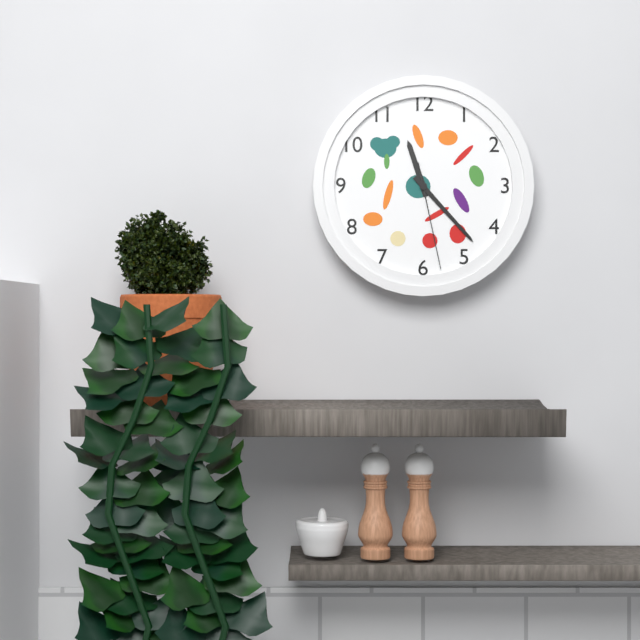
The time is 11:23:28
